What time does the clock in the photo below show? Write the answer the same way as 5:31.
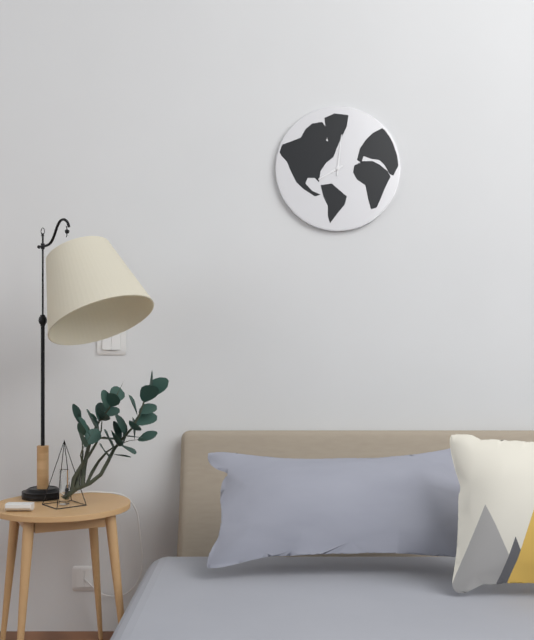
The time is 8:01
